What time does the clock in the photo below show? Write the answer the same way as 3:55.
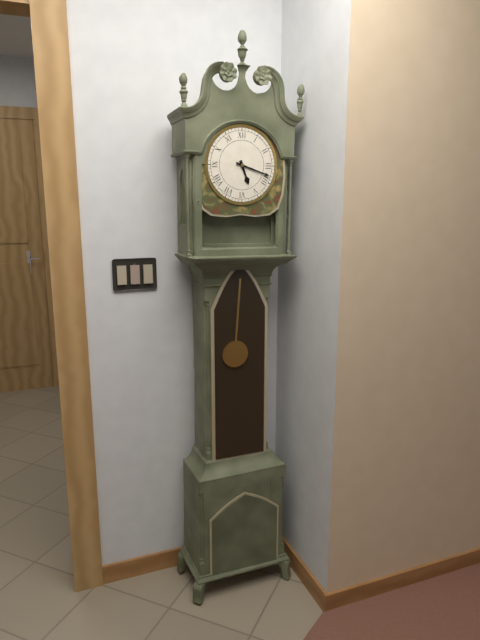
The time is 5:18
